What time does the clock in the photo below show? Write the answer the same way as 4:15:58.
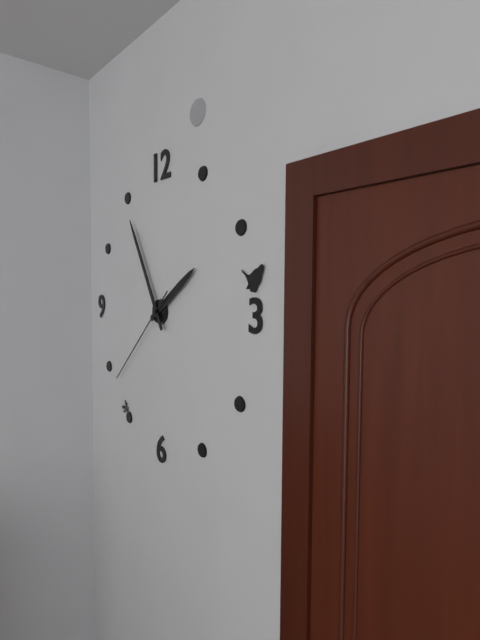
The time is 1:55:38
